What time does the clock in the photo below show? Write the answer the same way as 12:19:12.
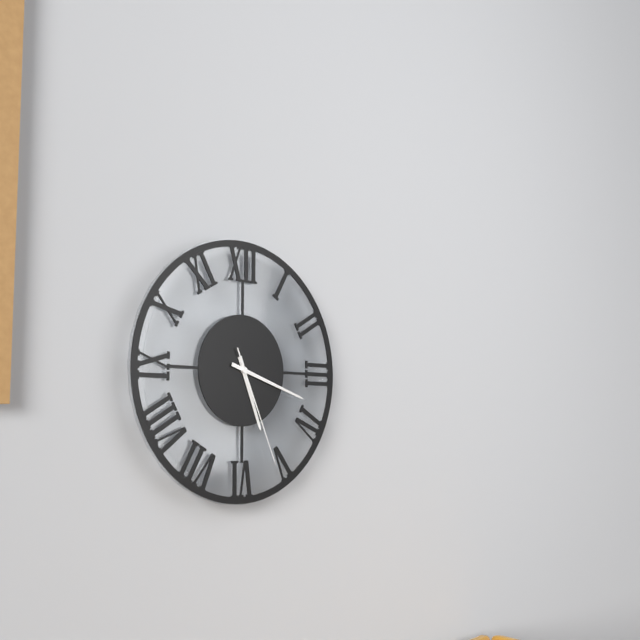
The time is 5:18:26
